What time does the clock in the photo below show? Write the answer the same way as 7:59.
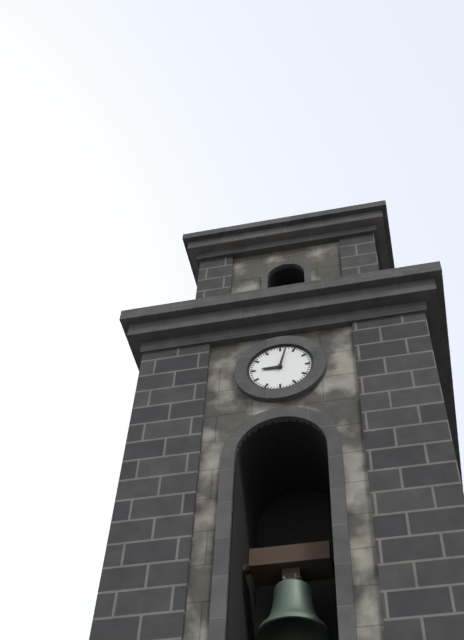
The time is 9:02
